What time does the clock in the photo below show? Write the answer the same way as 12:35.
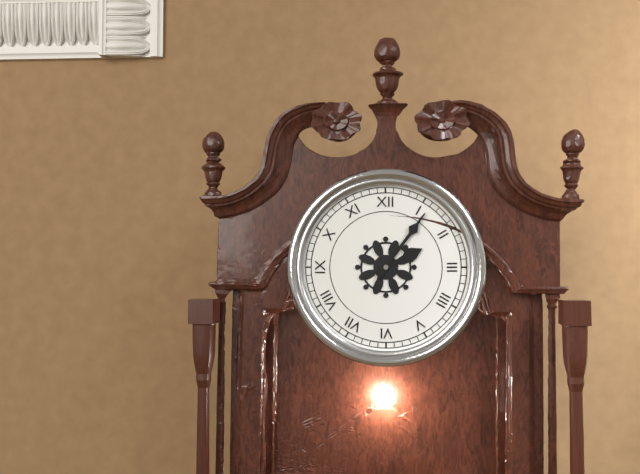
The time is 2:06
